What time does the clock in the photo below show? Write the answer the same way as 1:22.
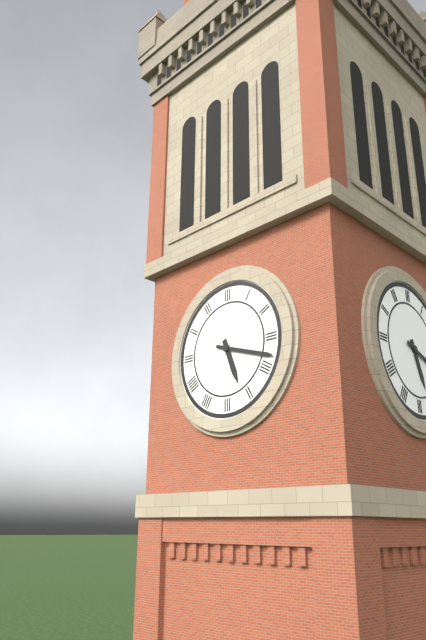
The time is 5:18
